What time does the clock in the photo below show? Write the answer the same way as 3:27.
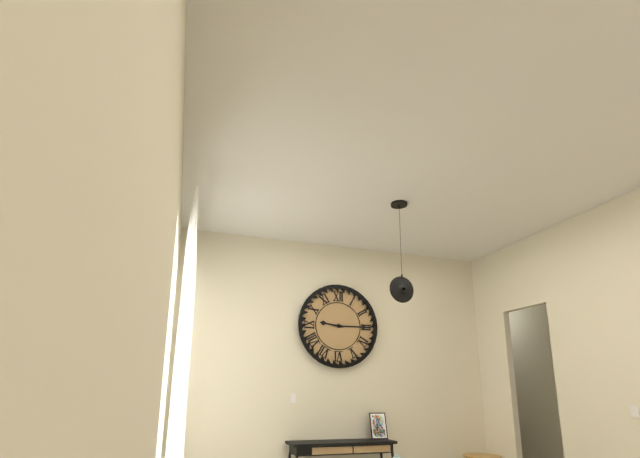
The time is 9:15
